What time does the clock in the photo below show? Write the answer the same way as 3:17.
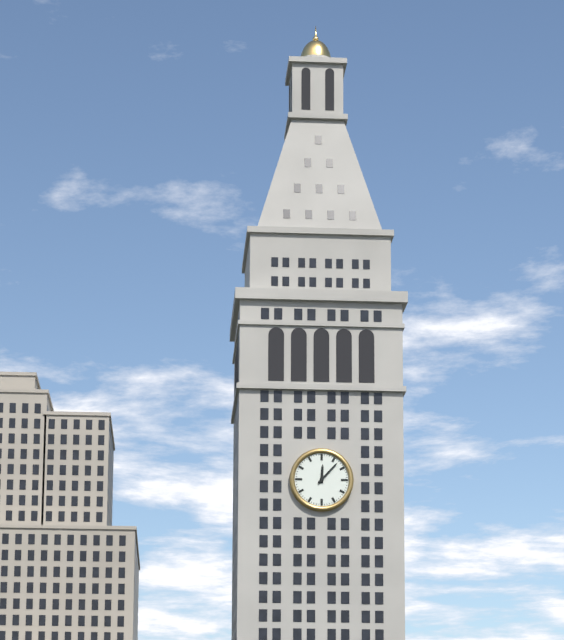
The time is 12:07
